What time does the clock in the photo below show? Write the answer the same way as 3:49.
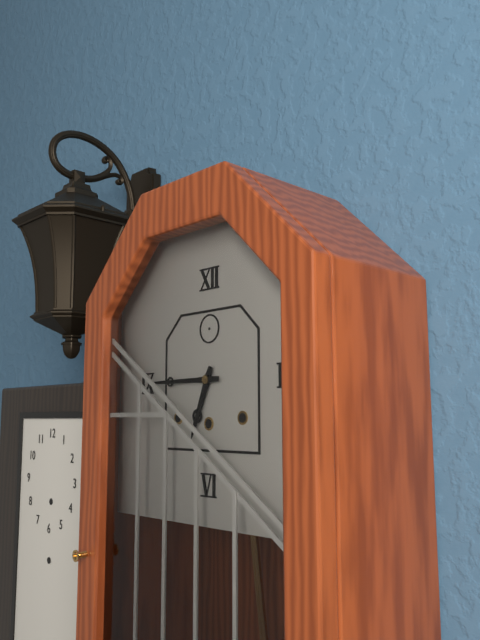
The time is 6:45
